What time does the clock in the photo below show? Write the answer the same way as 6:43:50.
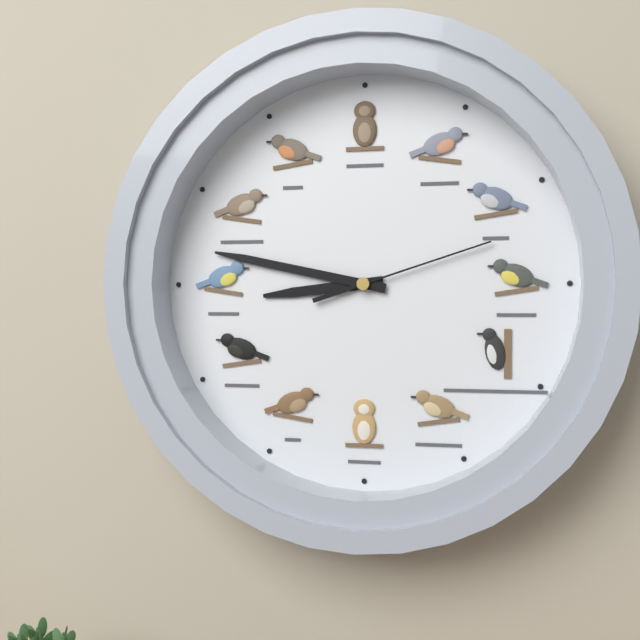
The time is 8:47:12
